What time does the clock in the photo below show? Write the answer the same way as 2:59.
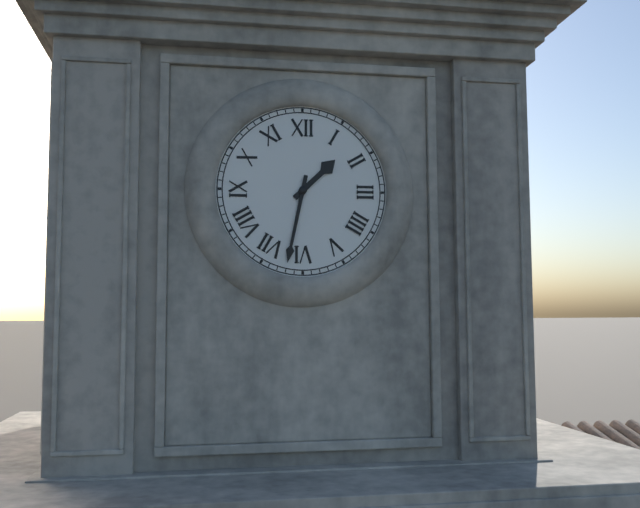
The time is 1:32
